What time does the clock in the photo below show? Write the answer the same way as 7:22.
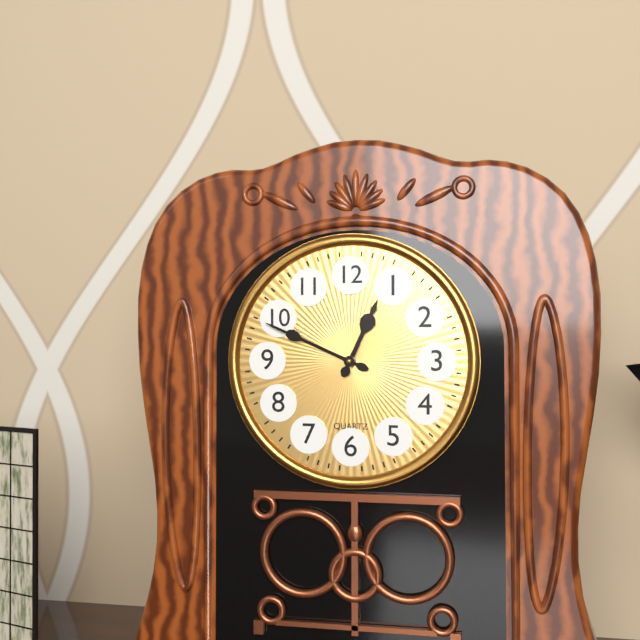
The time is 12:49
